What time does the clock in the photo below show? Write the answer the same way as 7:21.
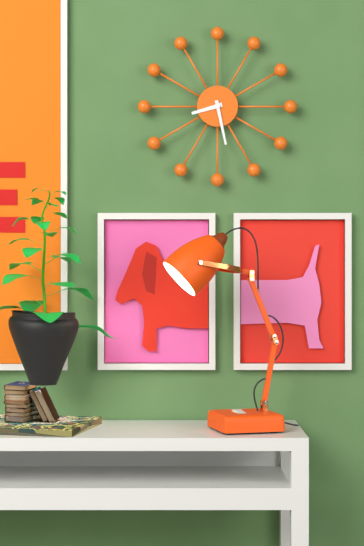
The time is 8:28
